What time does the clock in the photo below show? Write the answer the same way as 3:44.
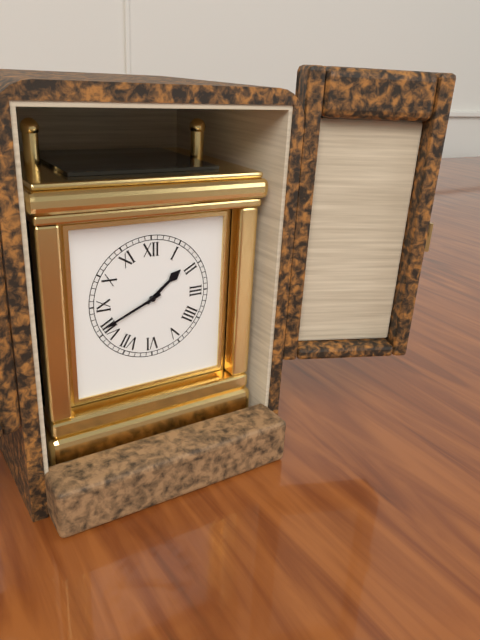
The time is 1:41
